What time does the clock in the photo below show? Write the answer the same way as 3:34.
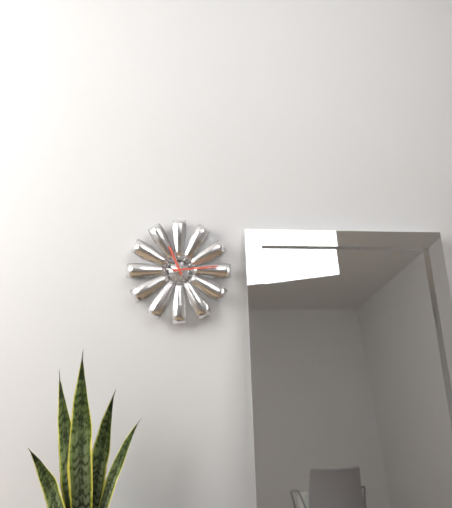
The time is 11:14
